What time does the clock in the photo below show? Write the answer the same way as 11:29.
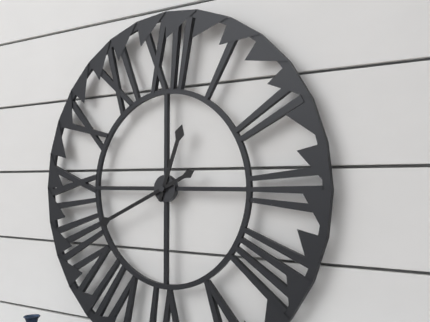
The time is 12:41
